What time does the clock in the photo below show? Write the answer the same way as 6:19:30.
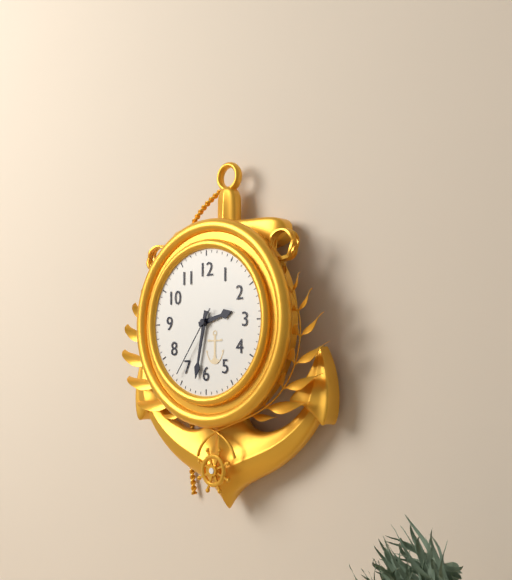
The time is 2:32:36
